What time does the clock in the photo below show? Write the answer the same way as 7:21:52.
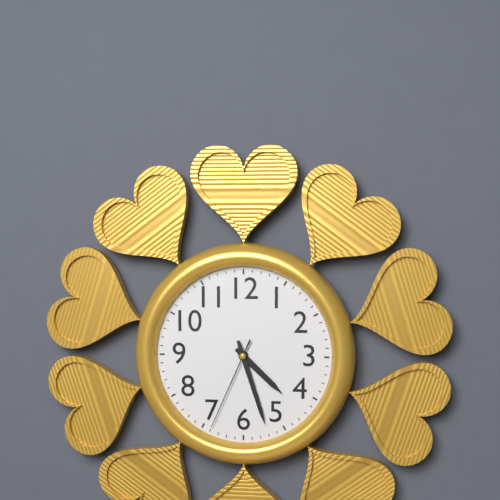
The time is 4:27:34
